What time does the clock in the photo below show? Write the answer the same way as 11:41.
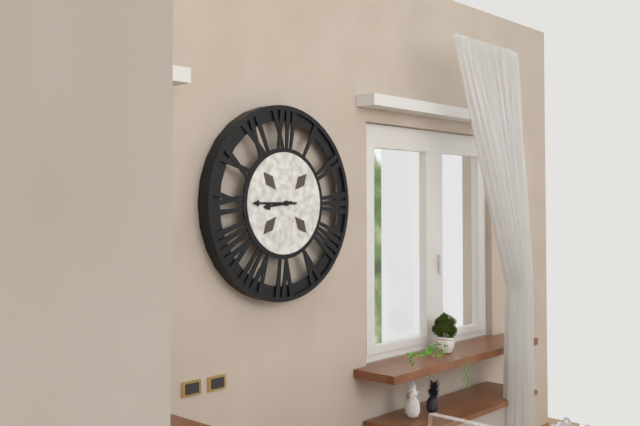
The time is 8:45
